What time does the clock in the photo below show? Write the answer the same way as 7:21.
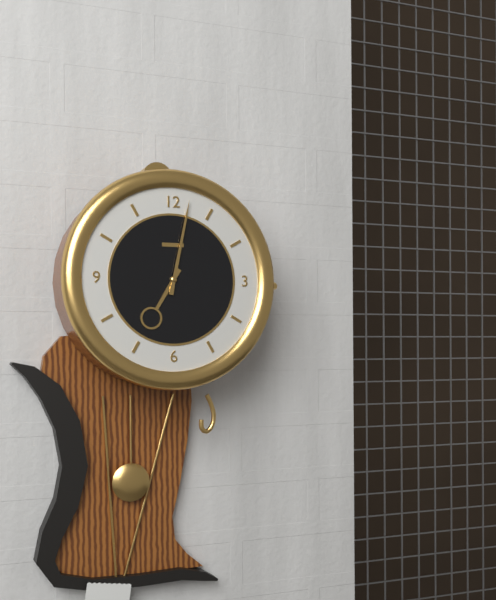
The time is 7:02
